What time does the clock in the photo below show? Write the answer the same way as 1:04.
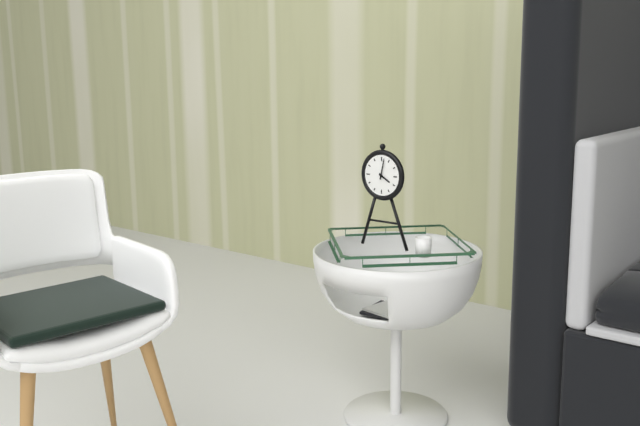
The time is 4:02
